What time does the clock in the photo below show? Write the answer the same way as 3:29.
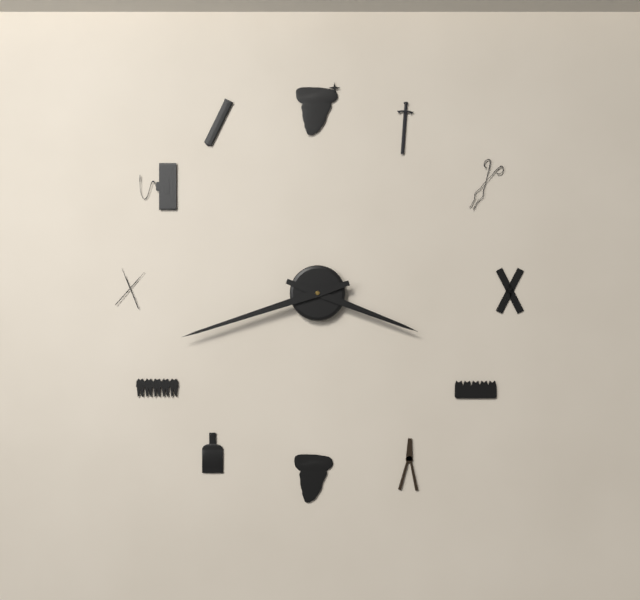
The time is 3:42
